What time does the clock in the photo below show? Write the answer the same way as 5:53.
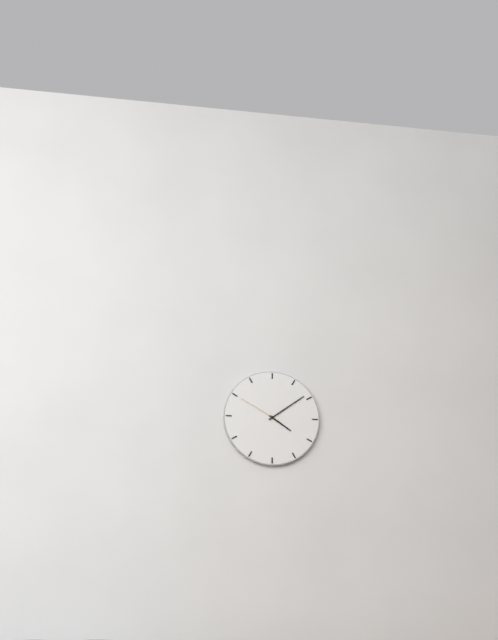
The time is 4:09
